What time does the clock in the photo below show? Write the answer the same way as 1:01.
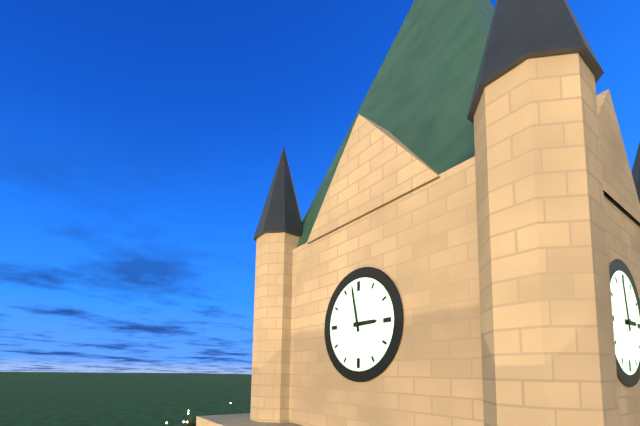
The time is 2:58
